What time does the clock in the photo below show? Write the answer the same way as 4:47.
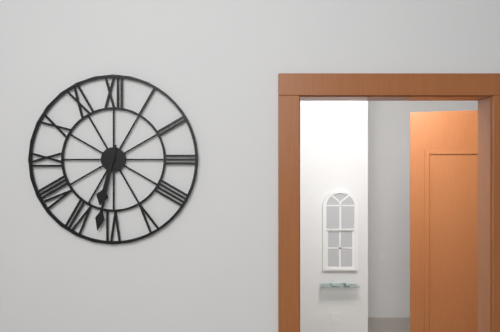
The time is 6:32
